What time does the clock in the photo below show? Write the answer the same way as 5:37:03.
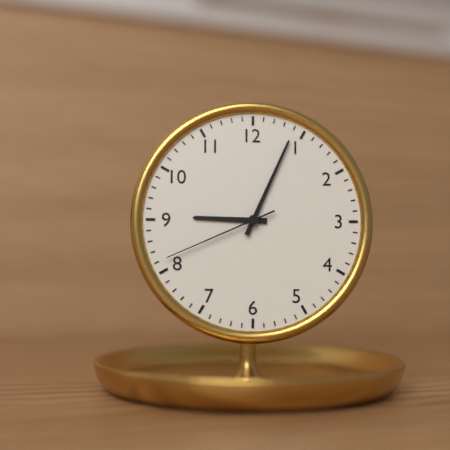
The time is 9:04:41
